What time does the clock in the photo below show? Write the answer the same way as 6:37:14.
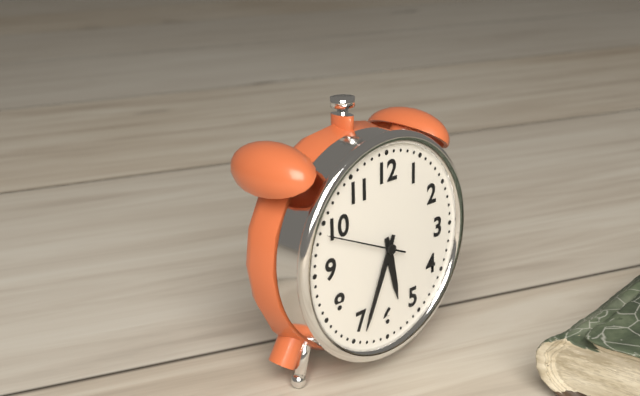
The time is 5:34:49
